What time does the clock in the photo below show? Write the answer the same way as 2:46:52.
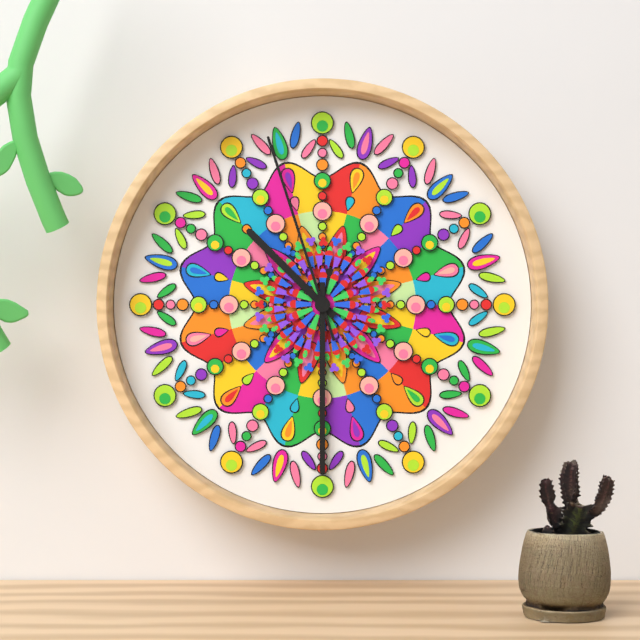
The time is 10:30:57
